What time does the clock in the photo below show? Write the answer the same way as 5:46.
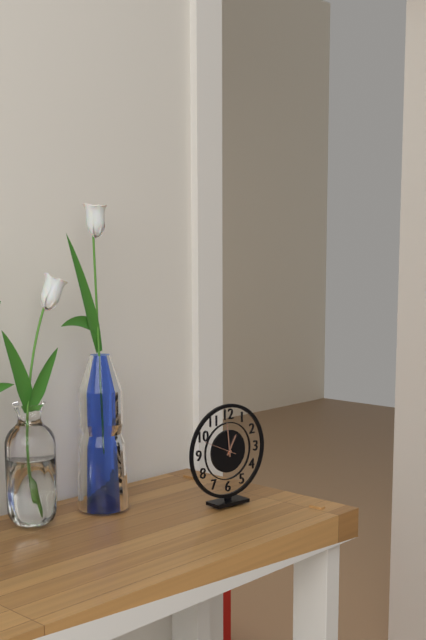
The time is 12:59
